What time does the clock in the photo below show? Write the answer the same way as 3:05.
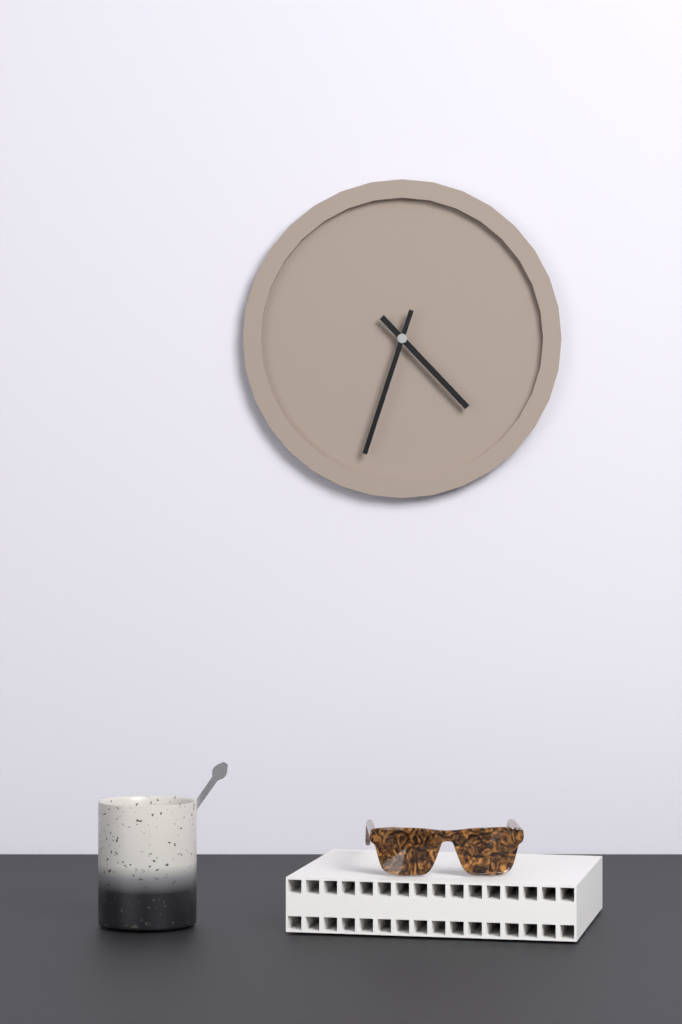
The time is 4:33
